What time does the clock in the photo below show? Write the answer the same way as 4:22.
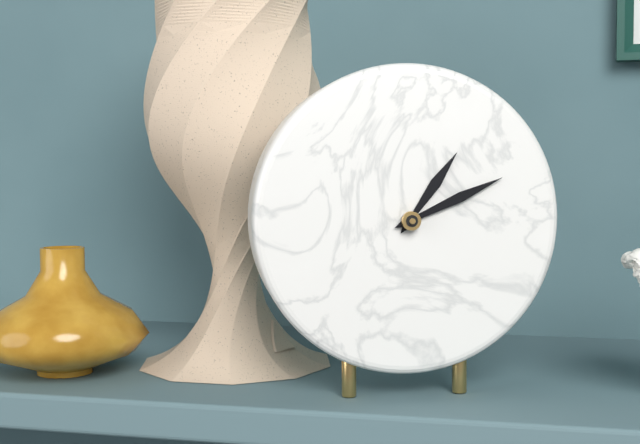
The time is 1:11
